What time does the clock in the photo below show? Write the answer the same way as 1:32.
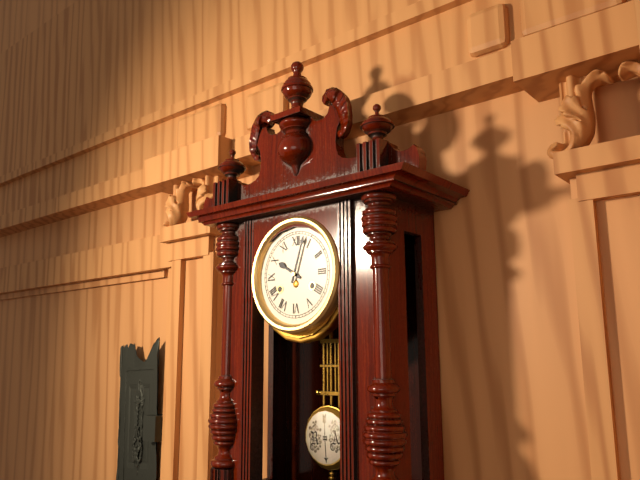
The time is 10:03
